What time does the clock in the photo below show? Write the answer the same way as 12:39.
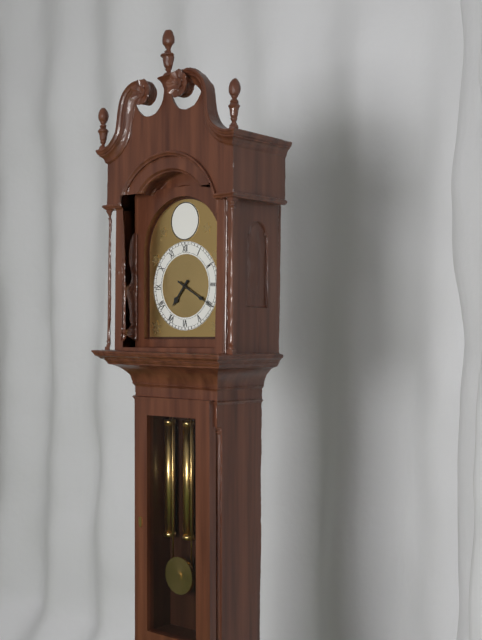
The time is 7:20
